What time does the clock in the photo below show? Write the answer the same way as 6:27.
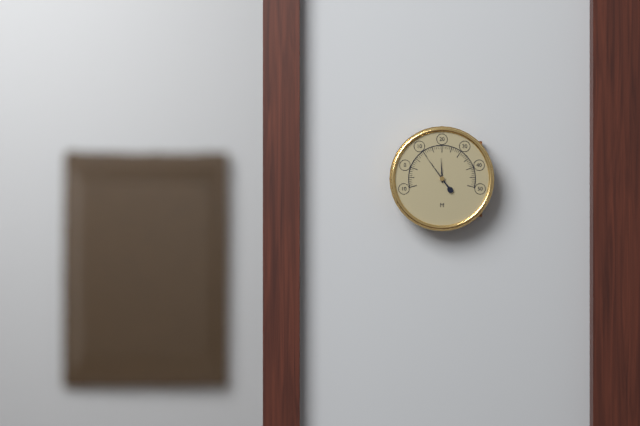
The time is 11:54
